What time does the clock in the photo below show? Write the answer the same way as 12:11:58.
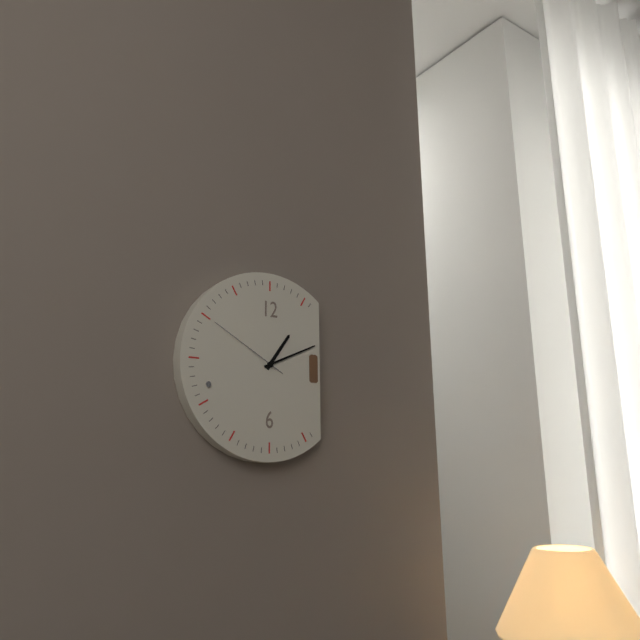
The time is 1:11:50
